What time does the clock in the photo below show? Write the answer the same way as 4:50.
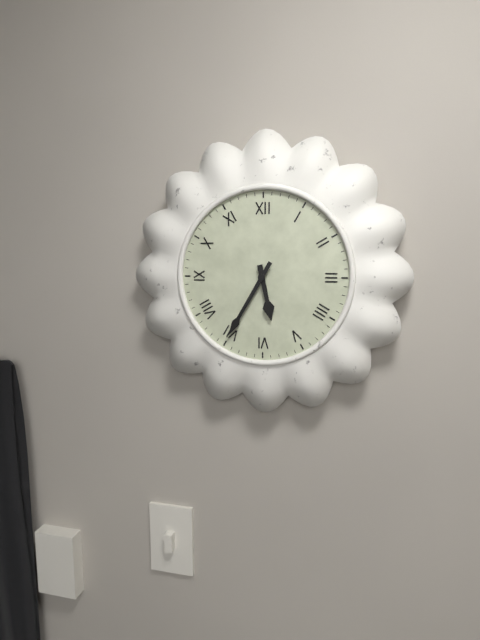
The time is 5:35
